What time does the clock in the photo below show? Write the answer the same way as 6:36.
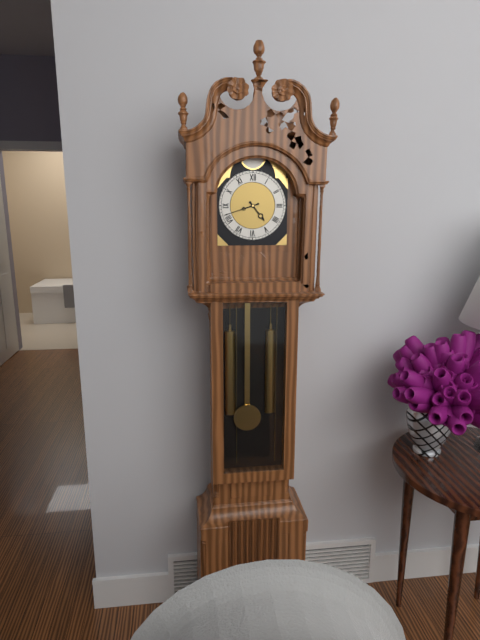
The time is 4:42
